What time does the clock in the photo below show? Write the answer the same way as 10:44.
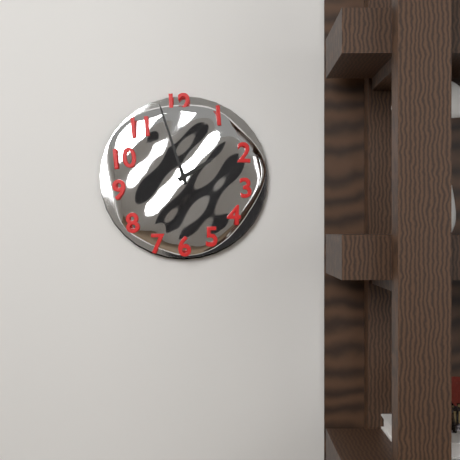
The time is 1:57
